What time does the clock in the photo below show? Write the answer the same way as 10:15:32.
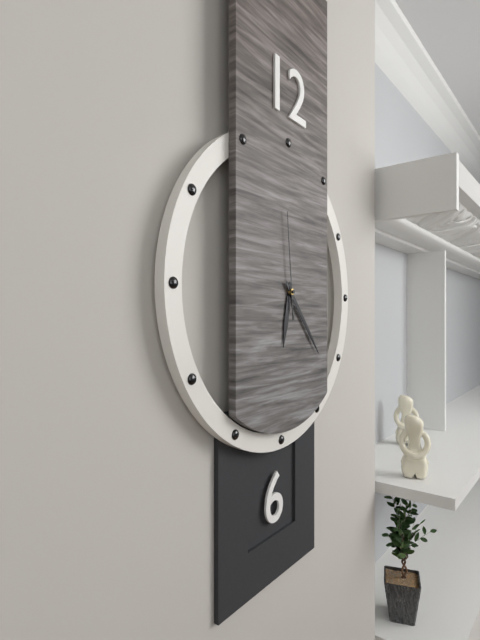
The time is 6:23:59
